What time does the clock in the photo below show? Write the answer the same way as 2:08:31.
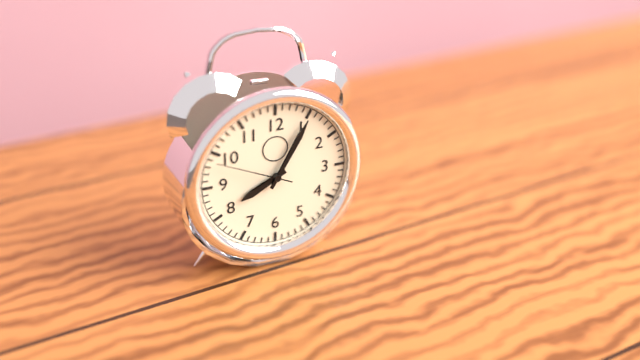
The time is 8:05:49
